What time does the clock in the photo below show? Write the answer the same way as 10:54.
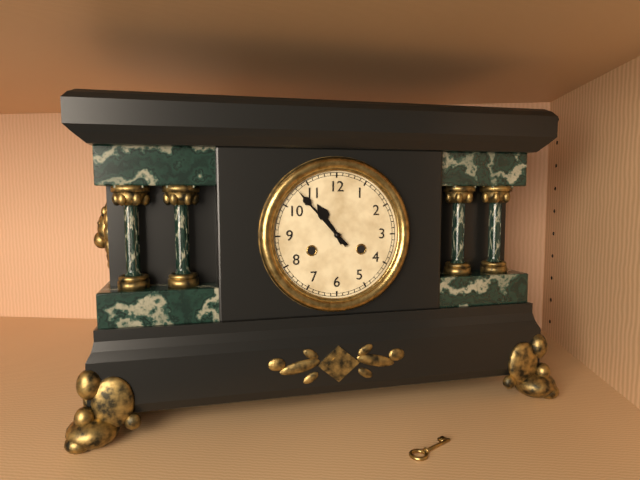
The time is 10:53
